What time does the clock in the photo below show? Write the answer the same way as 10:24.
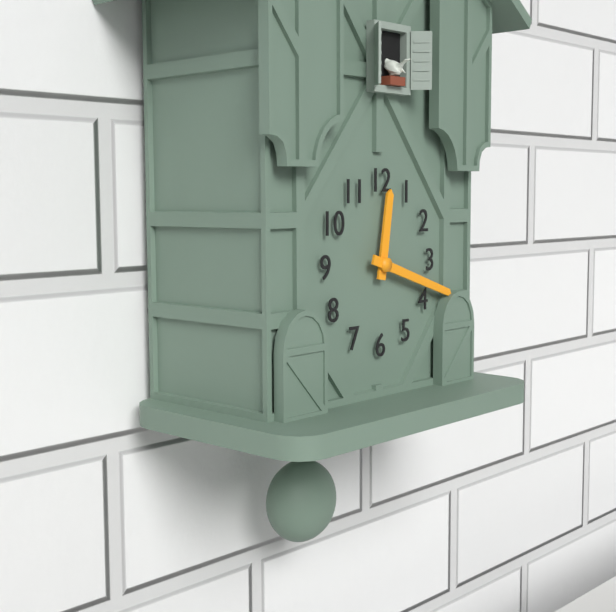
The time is 12:18
